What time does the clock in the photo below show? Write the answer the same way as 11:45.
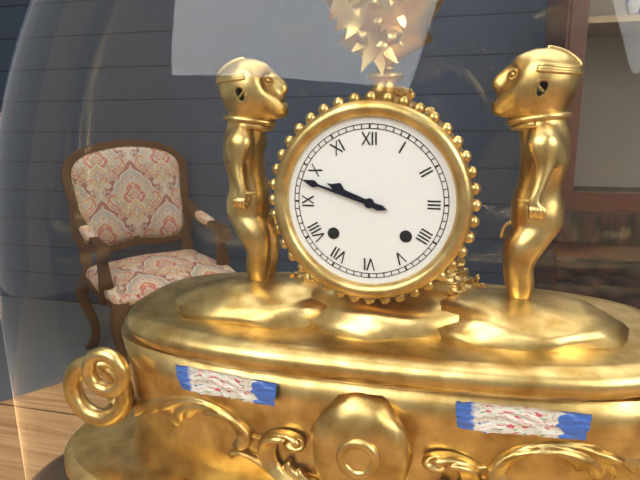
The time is 9:48
